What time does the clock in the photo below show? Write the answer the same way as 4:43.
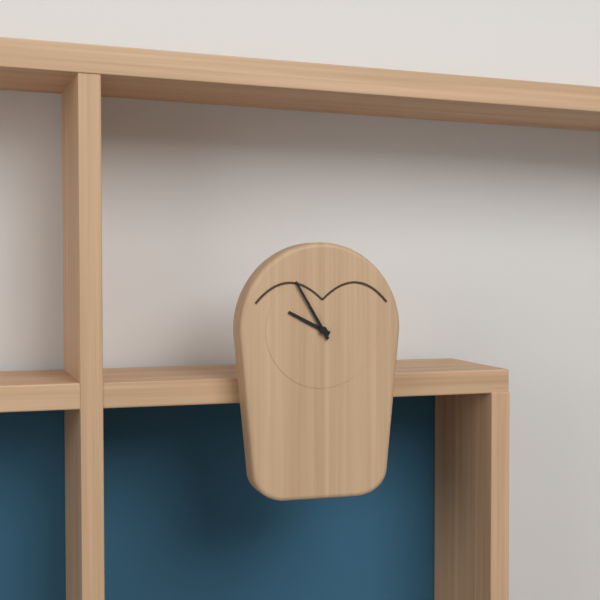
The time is 9:55
